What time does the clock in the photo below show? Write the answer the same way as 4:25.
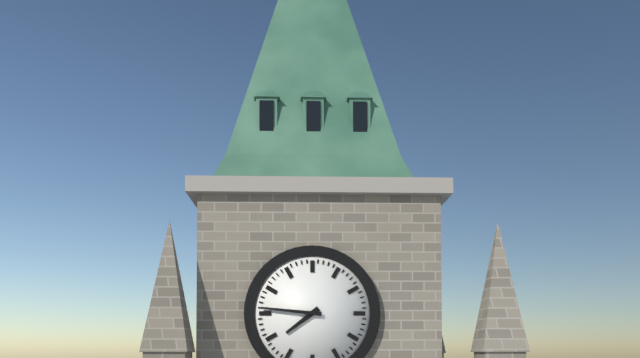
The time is 7:46
